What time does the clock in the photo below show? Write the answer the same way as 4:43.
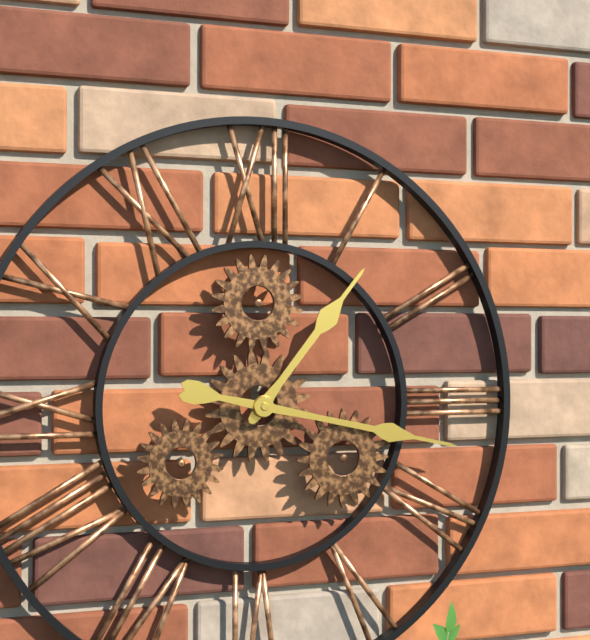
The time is 1:17
